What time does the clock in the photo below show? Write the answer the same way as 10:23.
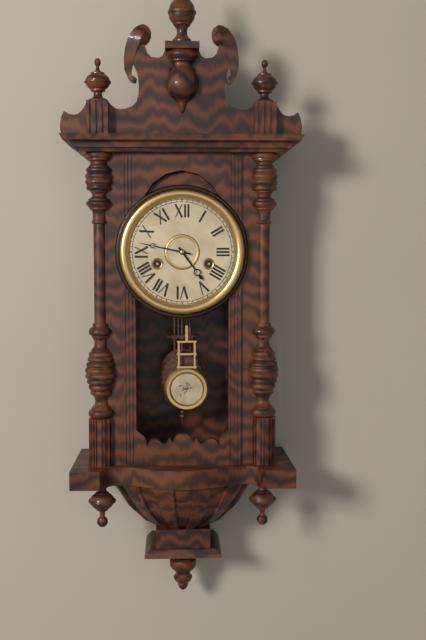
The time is 4:47
